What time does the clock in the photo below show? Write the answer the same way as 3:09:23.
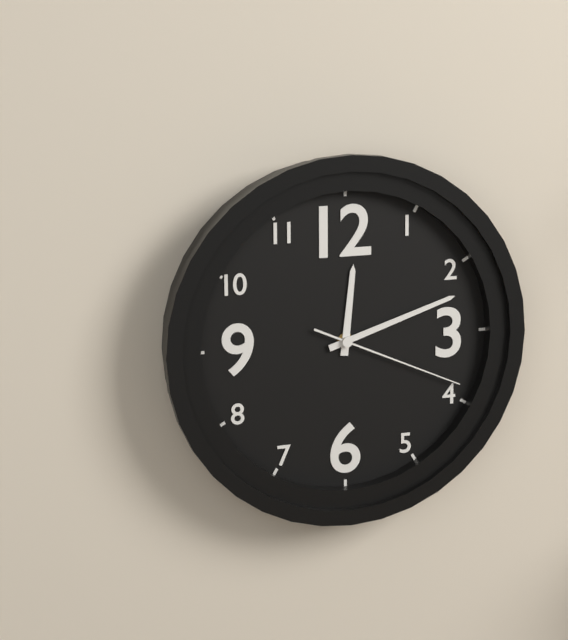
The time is 12:12:19
